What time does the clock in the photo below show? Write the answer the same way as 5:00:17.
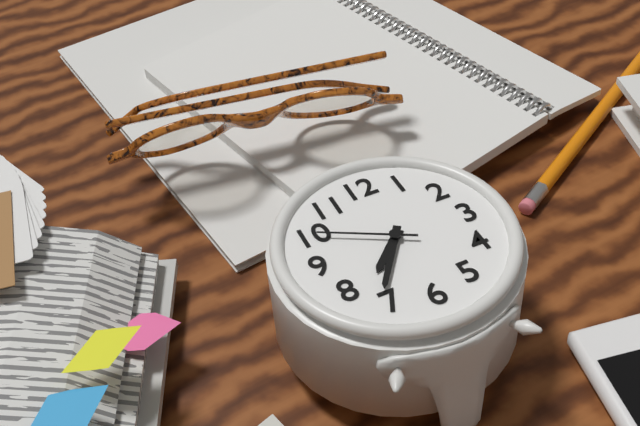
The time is 7:36:50
